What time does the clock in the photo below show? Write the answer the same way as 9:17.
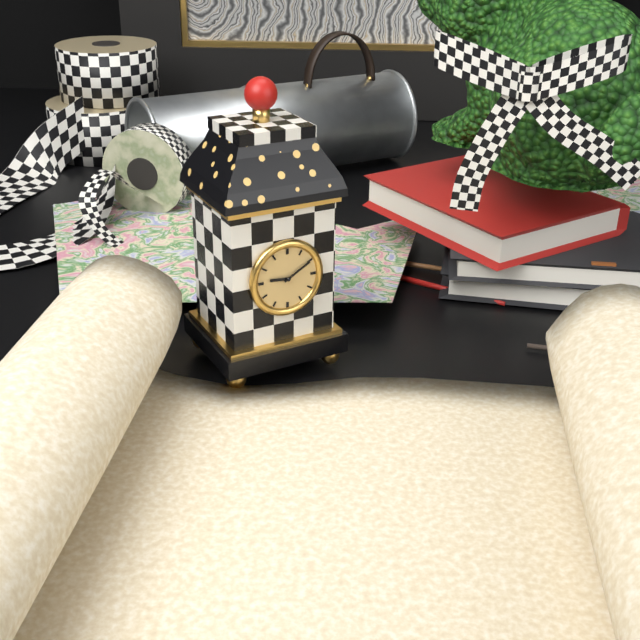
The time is 9:10
